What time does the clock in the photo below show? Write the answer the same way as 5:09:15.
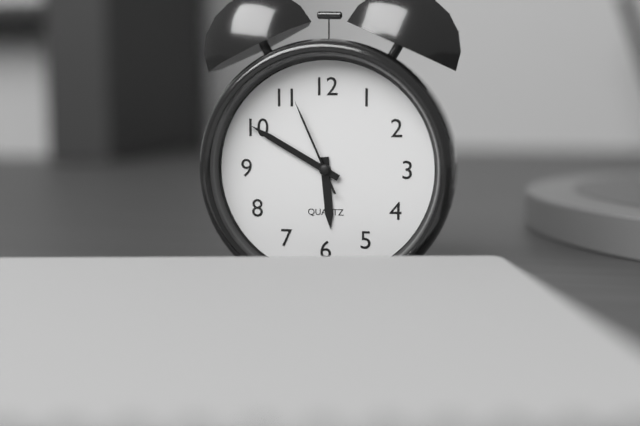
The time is 5:50:56
